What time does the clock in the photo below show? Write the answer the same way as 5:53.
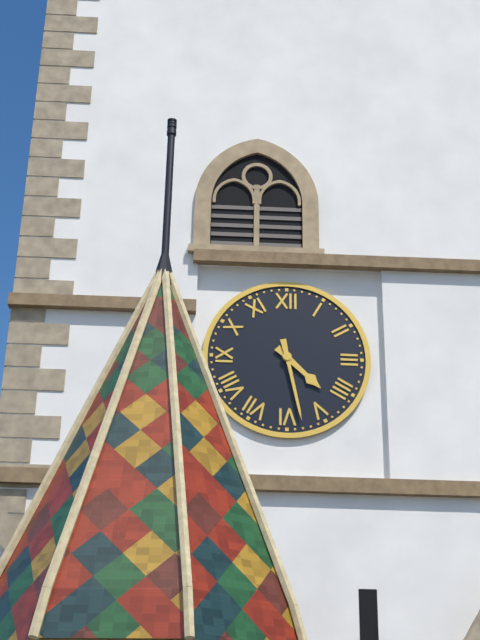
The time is 4:28
